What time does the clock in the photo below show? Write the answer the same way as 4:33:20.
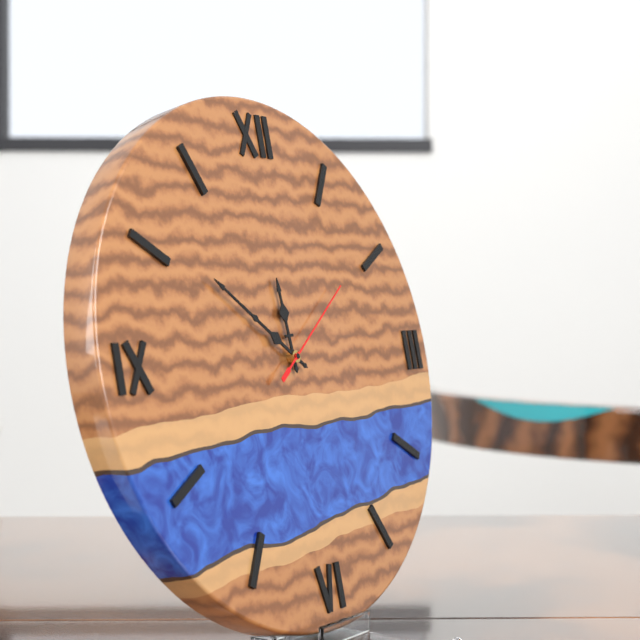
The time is 11:51:09
